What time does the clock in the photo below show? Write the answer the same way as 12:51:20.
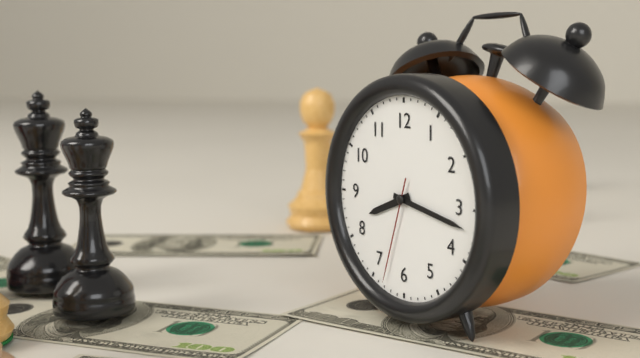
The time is 8:17:33
